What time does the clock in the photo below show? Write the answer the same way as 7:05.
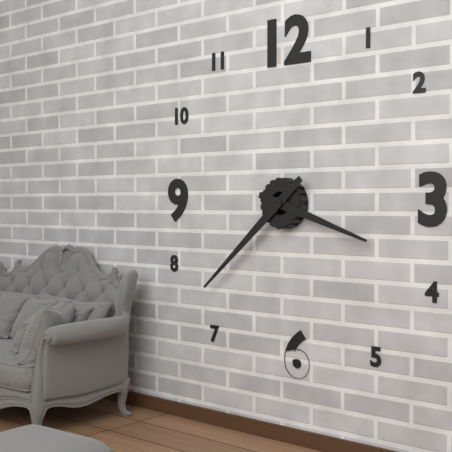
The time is 3:38
